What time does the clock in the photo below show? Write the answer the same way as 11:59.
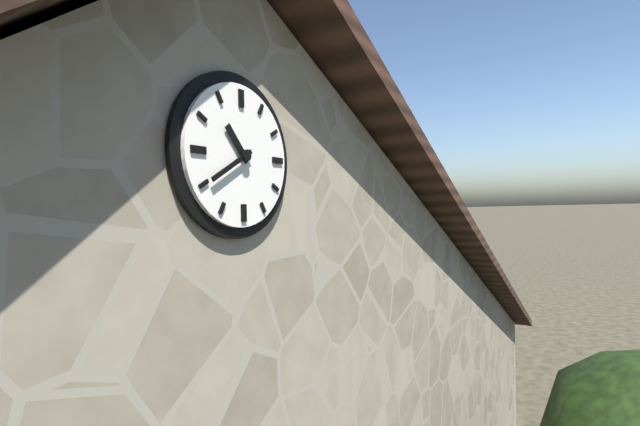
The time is 10:40
